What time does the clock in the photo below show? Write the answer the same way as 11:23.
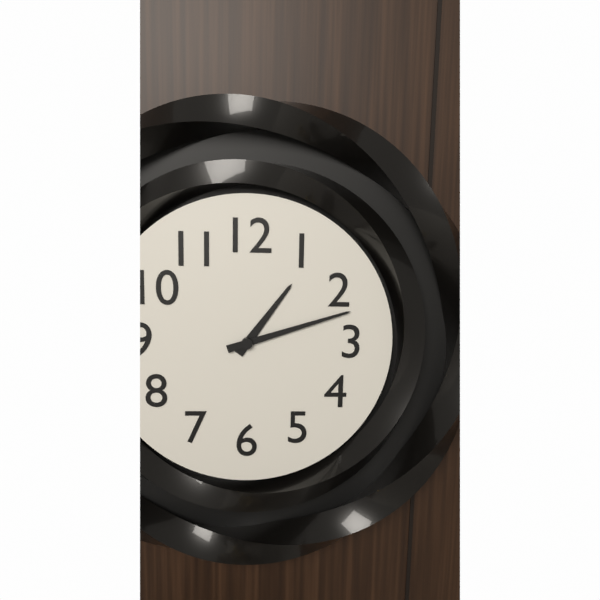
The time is 1:12
